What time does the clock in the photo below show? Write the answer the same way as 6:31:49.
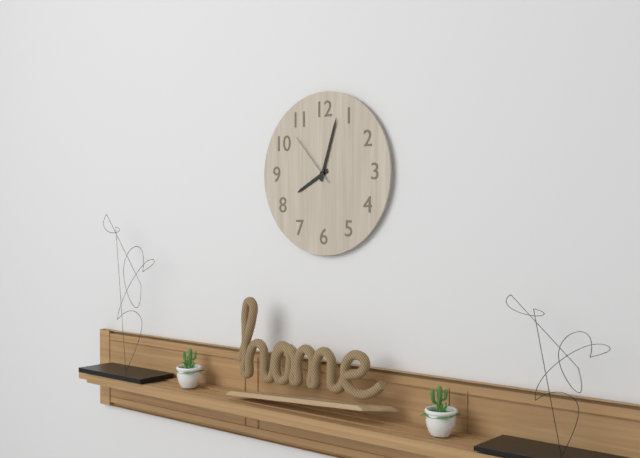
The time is 8:03:53
